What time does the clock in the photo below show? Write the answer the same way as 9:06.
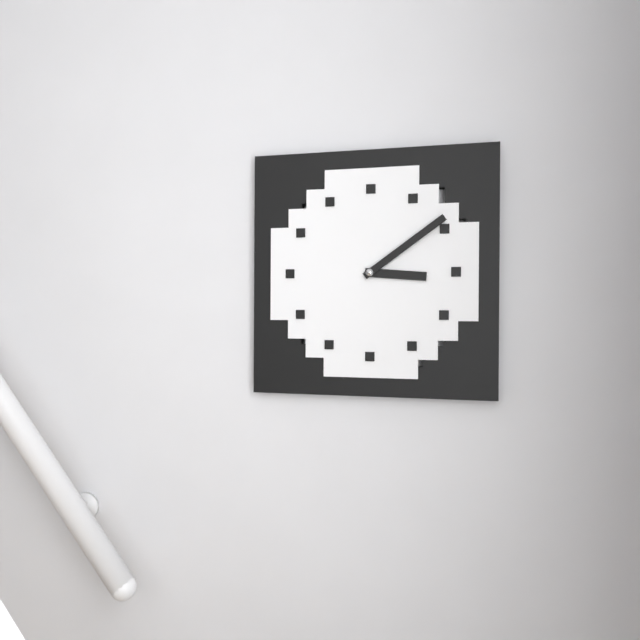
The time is 3:09
